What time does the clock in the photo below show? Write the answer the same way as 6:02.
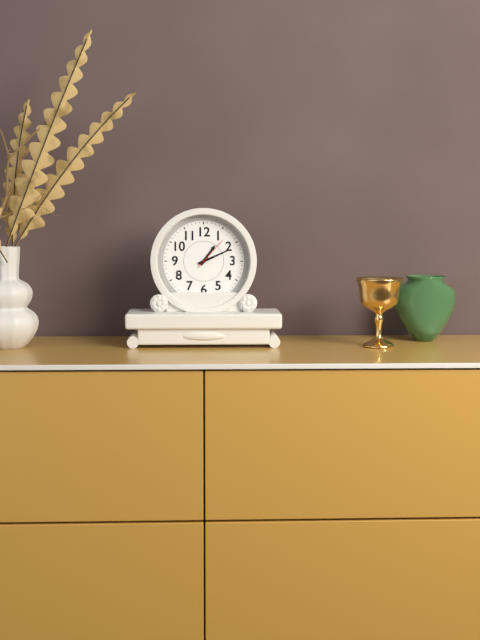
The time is 1:11
